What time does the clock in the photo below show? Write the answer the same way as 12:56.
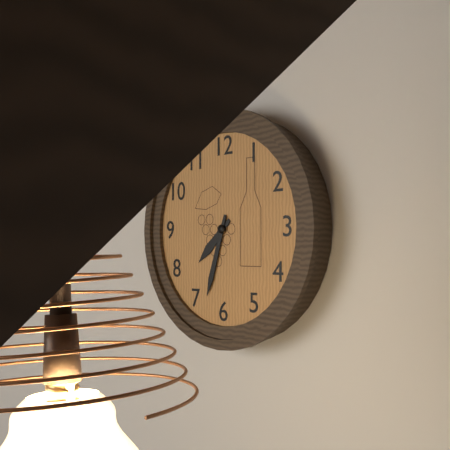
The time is 7:33
